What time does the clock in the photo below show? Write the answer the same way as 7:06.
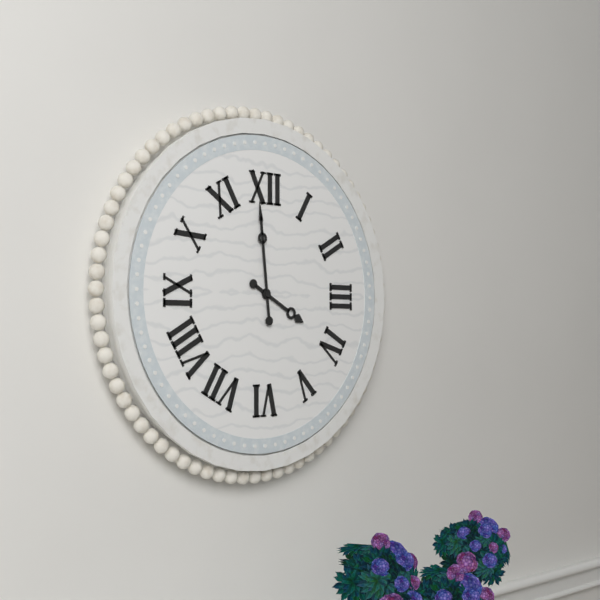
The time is 3:59
